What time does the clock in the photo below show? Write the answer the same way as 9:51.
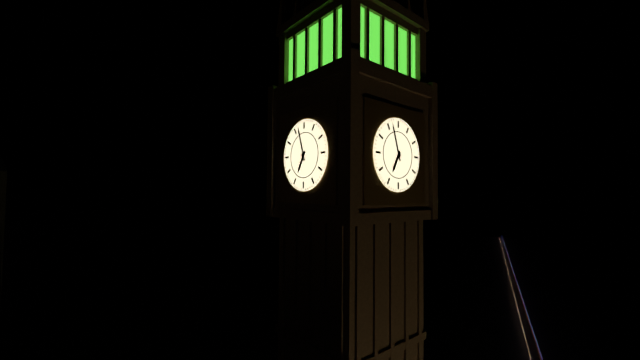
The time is 6:57
